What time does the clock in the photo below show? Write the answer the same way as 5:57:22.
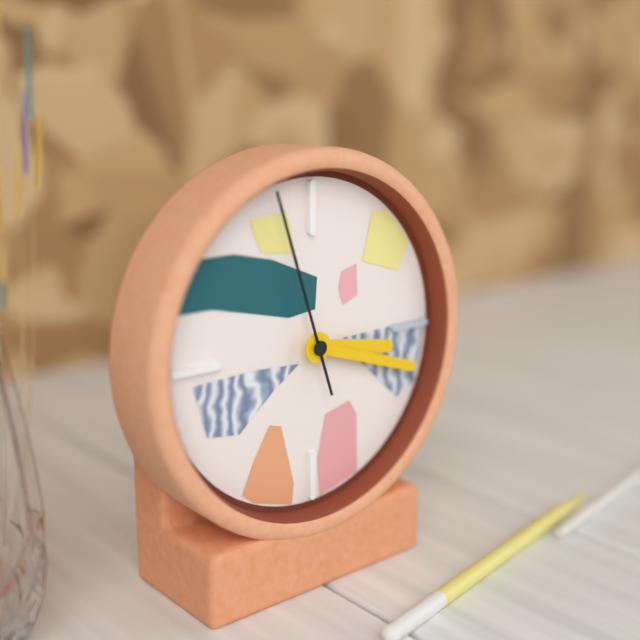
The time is 3:18:57
